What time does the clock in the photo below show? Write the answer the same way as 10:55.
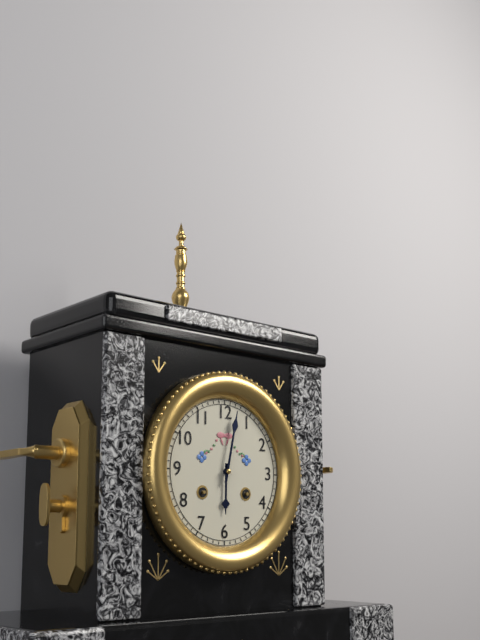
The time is 6:02
